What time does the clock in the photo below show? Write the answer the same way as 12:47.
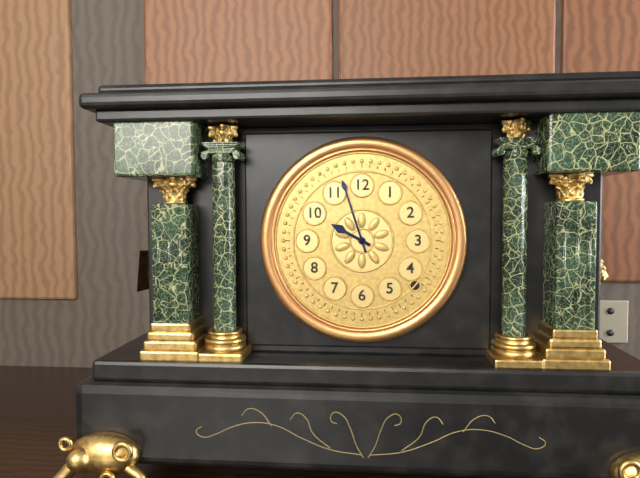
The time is 9:57
